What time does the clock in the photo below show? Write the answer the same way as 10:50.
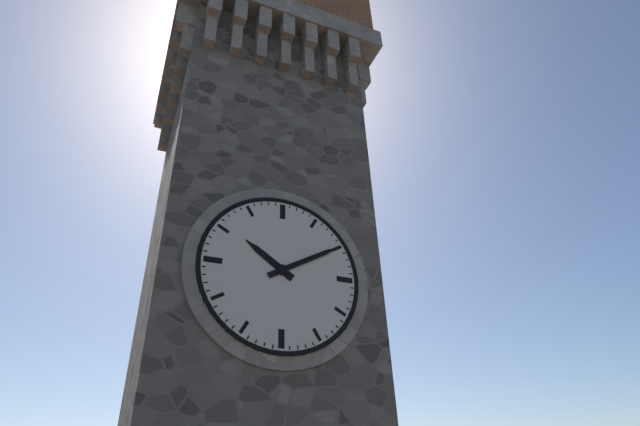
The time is 10:10
